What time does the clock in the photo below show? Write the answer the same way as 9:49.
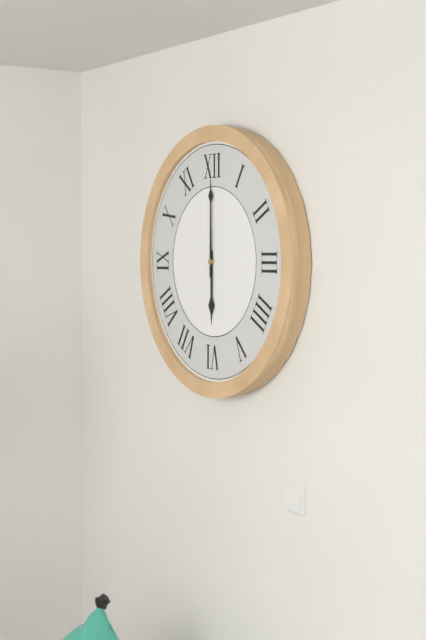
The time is 6:00
